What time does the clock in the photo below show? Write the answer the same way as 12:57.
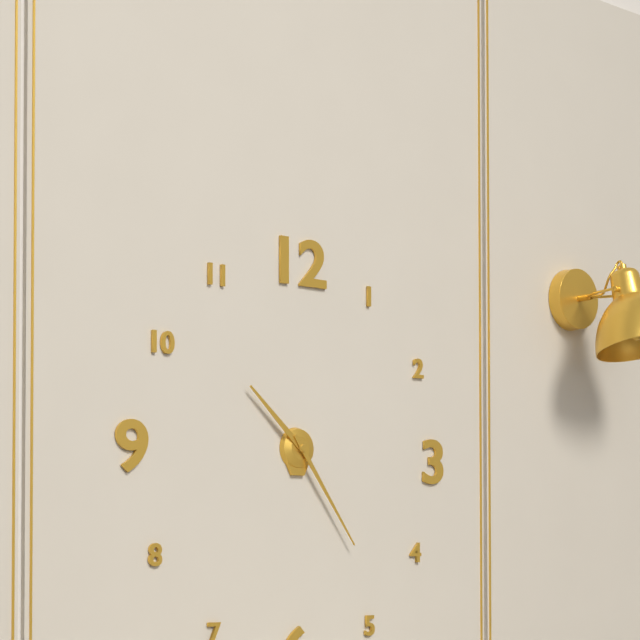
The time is 10:24
